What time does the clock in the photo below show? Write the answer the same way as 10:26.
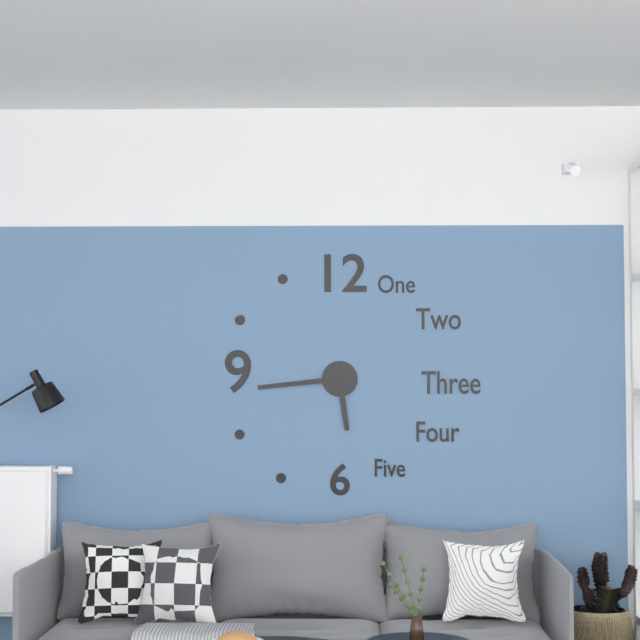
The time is 5:44
